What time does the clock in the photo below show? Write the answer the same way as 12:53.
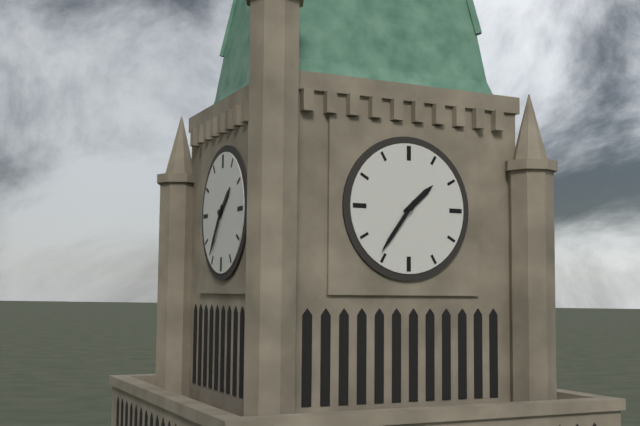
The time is 1:36
